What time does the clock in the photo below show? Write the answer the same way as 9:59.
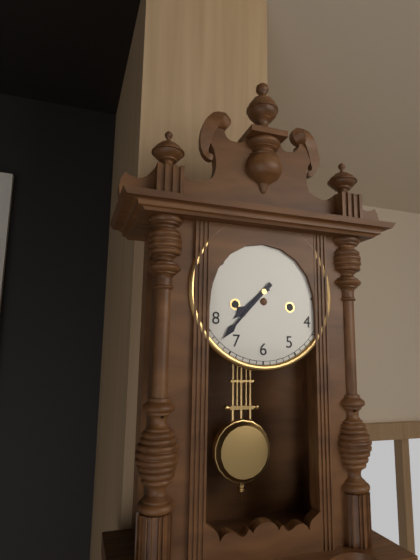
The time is 7:37
